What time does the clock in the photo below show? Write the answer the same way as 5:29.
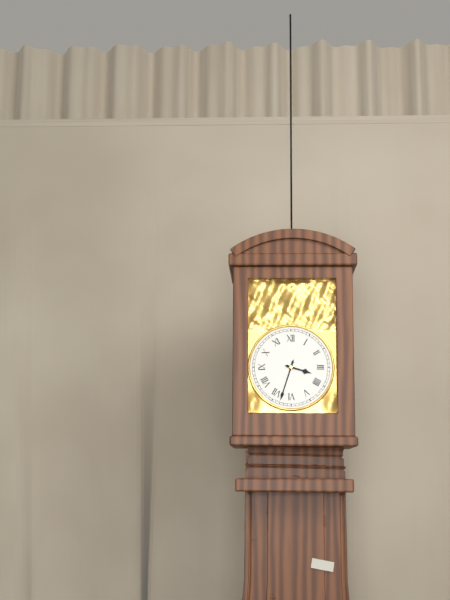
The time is 3:33
